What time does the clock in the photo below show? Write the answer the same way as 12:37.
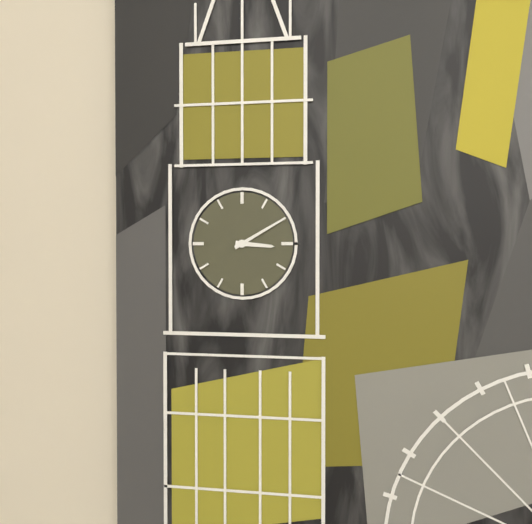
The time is 3:10
